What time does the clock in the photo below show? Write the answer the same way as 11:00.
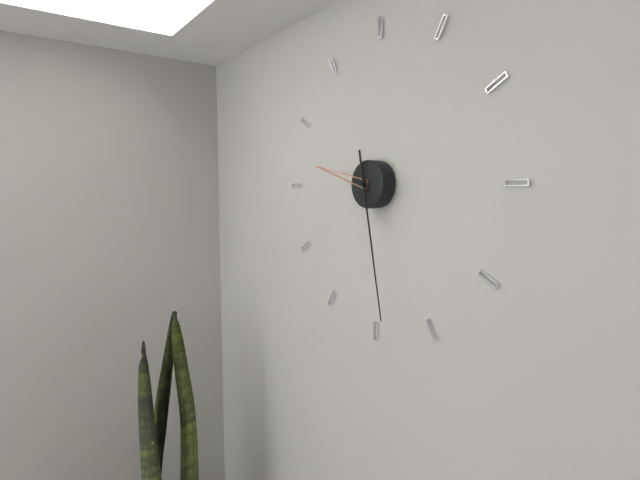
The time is 9:28
